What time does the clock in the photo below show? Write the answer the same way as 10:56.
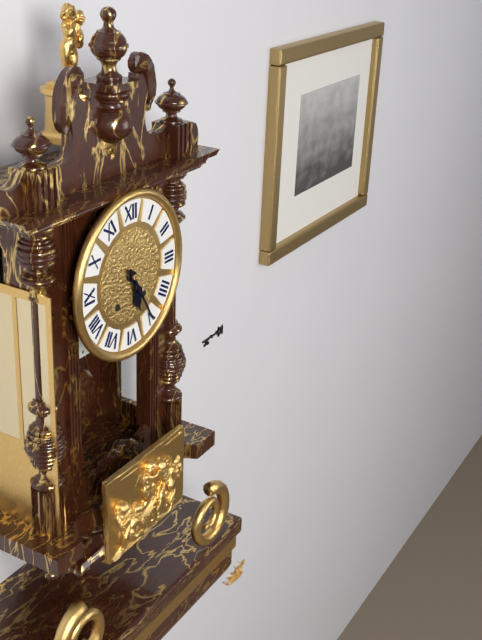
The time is 5:25
